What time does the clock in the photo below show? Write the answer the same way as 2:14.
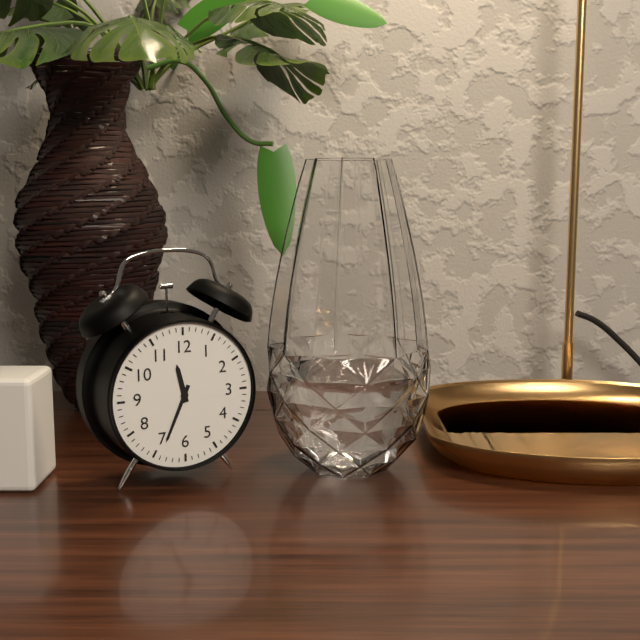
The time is 11:34
